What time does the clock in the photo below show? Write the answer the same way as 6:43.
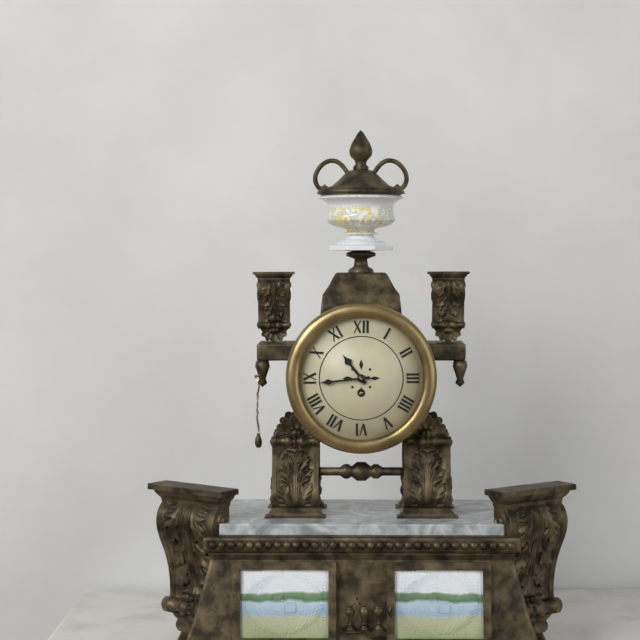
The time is 10:44
